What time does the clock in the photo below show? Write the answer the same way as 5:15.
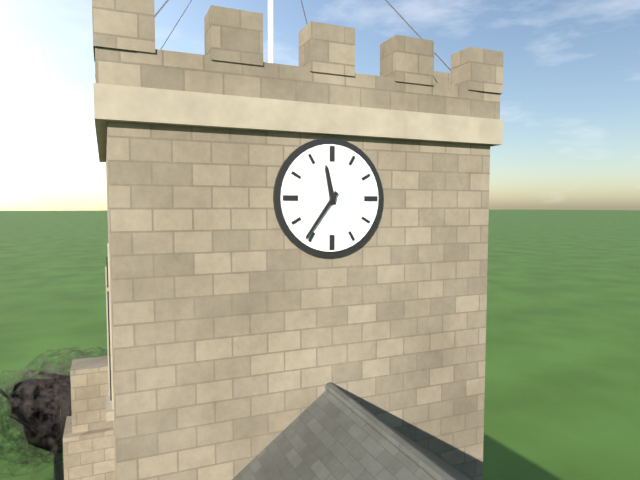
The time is 11:36
